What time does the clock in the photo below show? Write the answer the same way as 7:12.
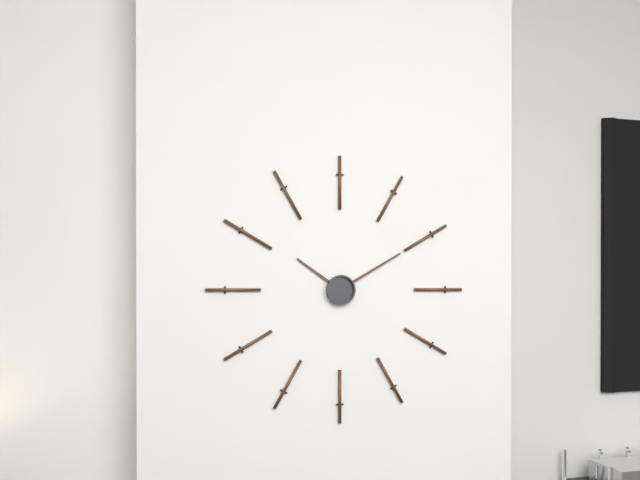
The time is 10:10
